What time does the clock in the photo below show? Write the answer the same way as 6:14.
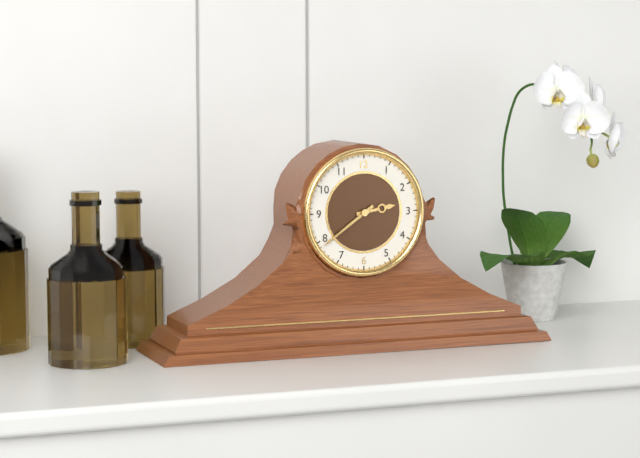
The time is 2:39
